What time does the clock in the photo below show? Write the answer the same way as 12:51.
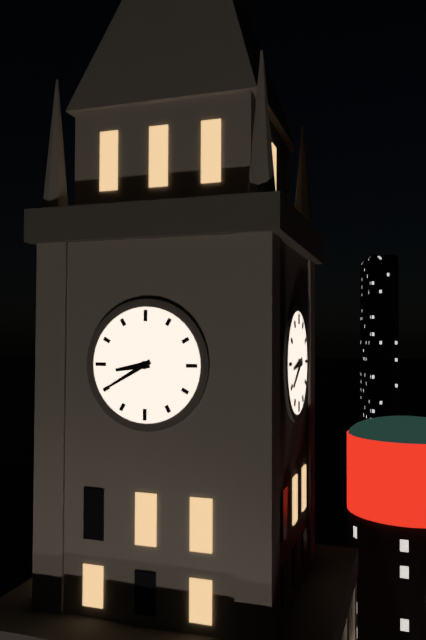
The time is 8:40
